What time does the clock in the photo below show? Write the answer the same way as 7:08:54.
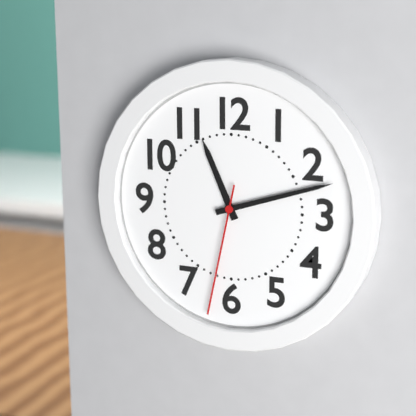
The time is 11:12:32
